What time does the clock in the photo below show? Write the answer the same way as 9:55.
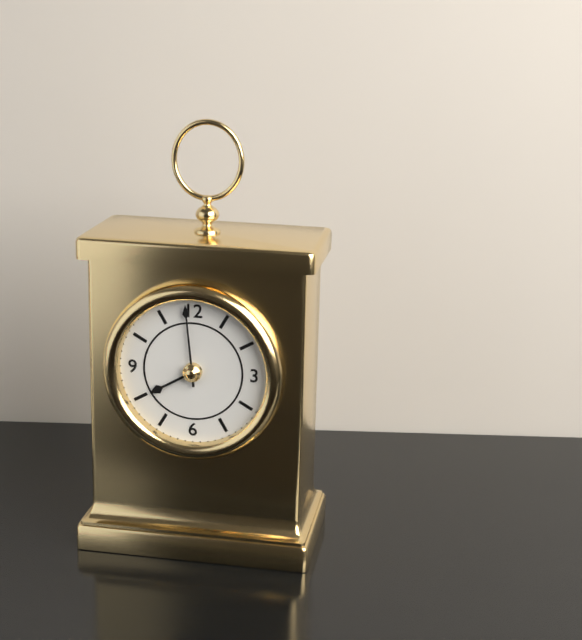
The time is 7:59
